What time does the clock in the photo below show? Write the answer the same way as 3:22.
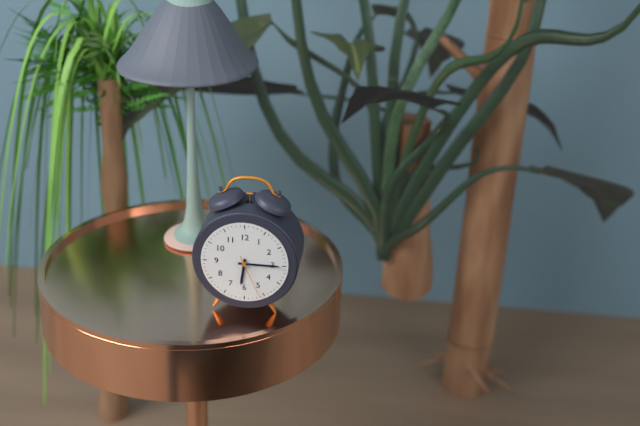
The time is 6:15
